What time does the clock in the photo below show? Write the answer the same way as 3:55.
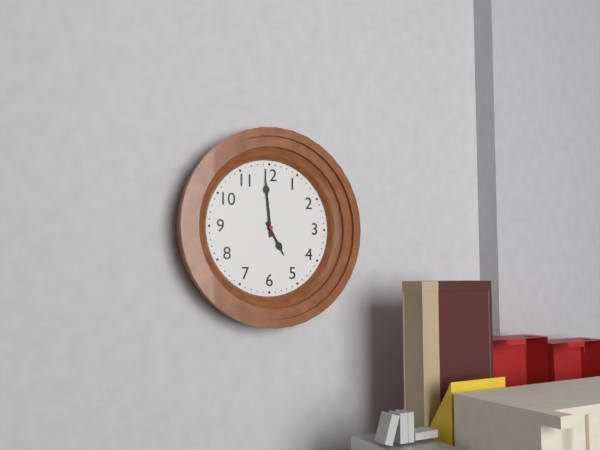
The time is 4:59
